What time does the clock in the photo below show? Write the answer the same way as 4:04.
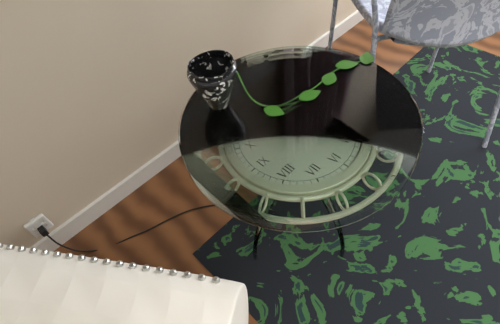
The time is 12:52
